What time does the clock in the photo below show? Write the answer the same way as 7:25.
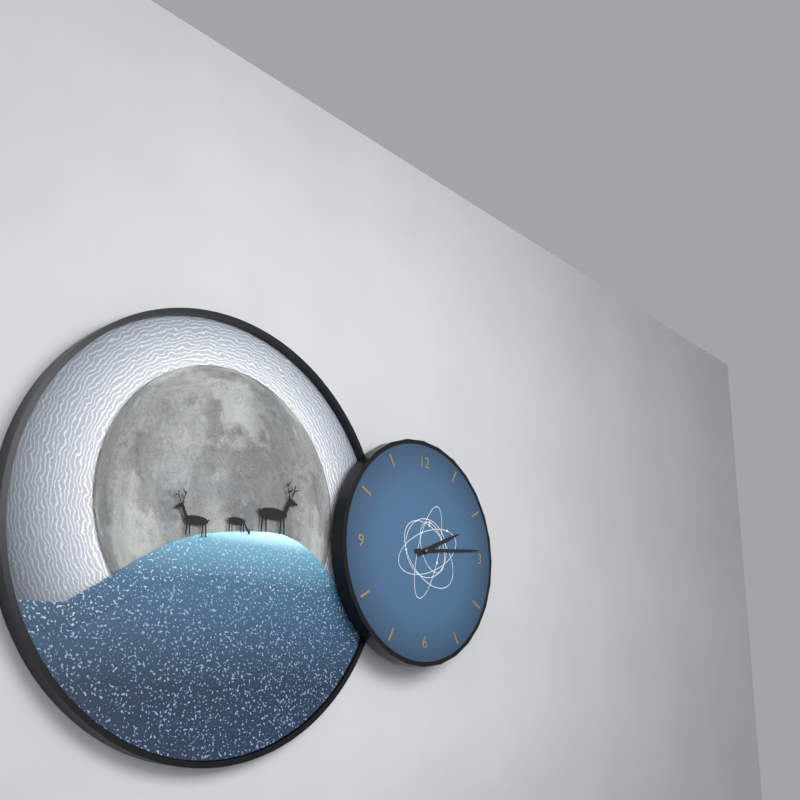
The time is 2:14
